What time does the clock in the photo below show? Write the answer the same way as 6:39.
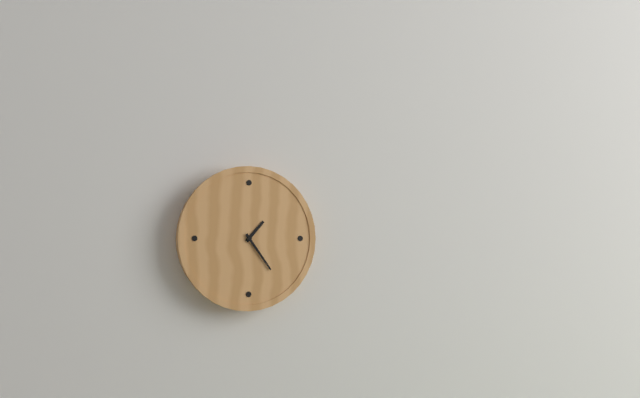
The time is 1:24
